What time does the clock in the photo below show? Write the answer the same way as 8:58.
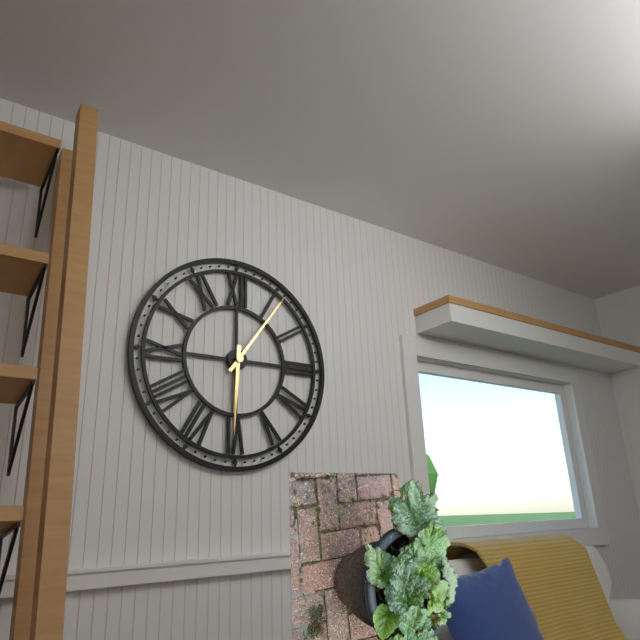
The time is 6:06
